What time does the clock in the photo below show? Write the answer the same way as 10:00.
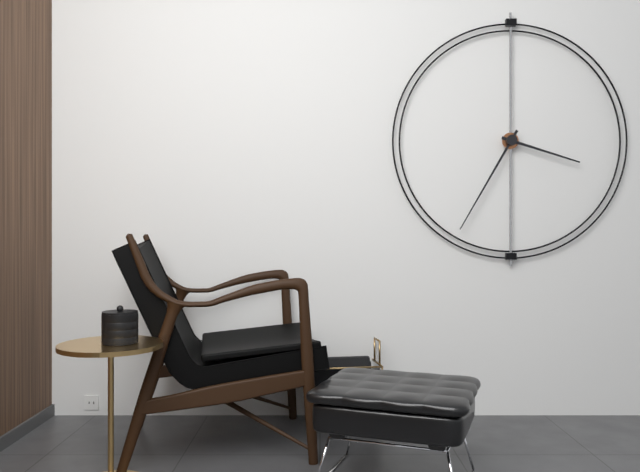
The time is 3:35
